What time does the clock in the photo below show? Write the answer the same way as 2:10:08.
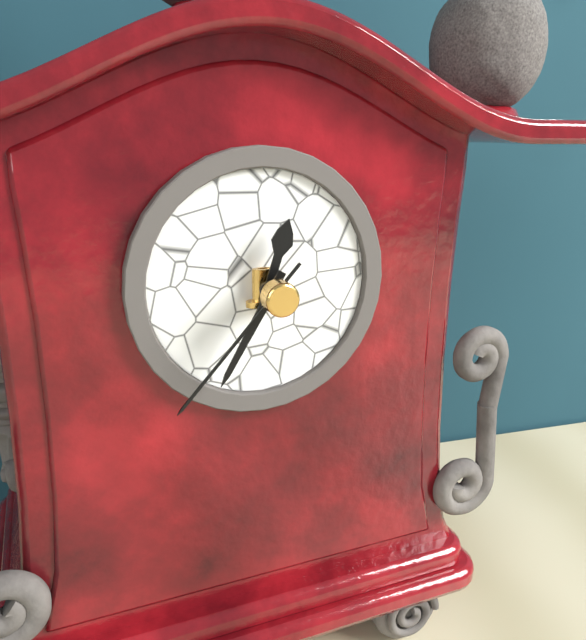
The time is 12:35:37
